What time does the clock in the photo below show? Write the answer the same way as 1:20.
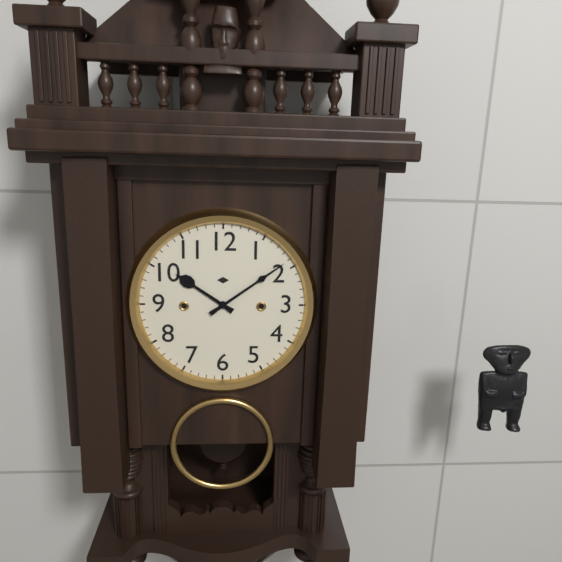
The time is 10:09
